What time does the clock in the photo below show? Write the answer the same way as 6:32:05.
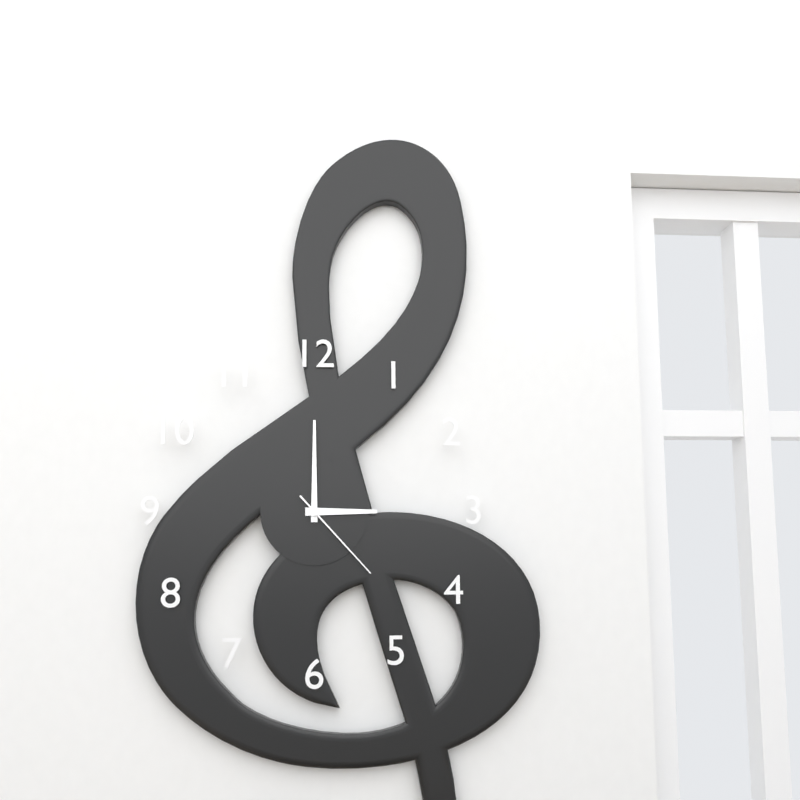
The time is 3:00:23
